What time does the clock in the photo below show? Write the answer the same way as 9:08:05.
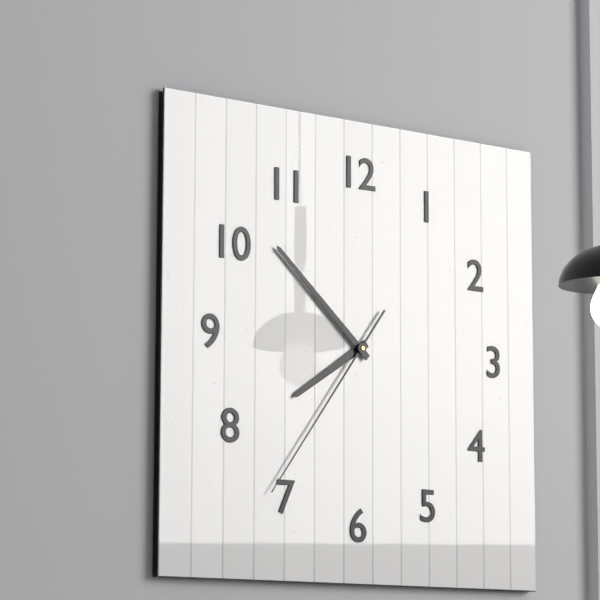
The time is 7:52:36
